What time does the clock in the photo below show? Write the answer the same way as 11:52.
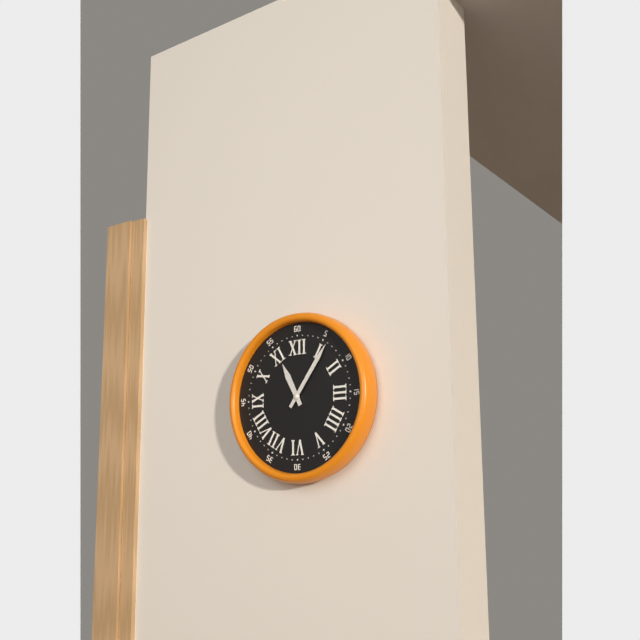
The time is 11:06
